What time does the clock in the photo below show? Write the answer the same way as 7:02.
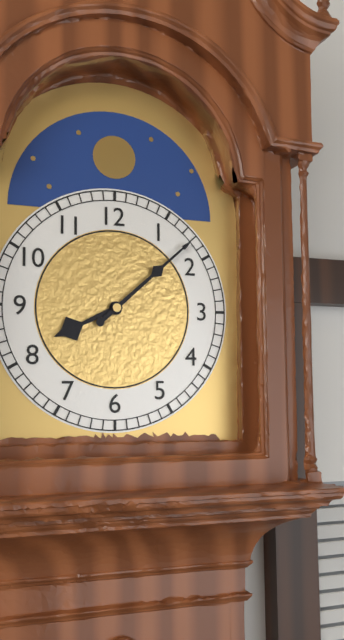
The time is 8:08
